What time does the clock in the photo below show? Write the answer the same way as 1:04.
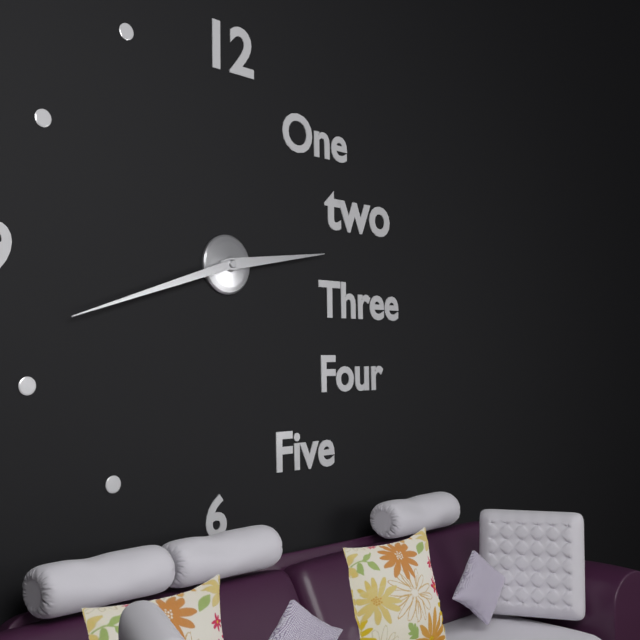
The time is 2:42
